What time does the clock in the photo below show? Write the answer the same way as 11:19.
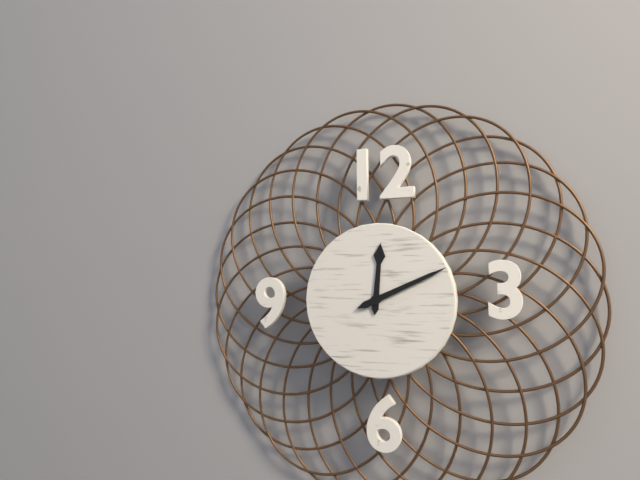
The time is 12:11
